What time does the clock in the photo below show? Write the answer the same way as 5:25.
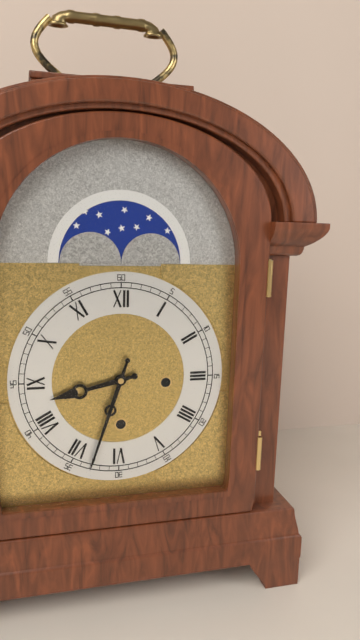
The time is 8:33
